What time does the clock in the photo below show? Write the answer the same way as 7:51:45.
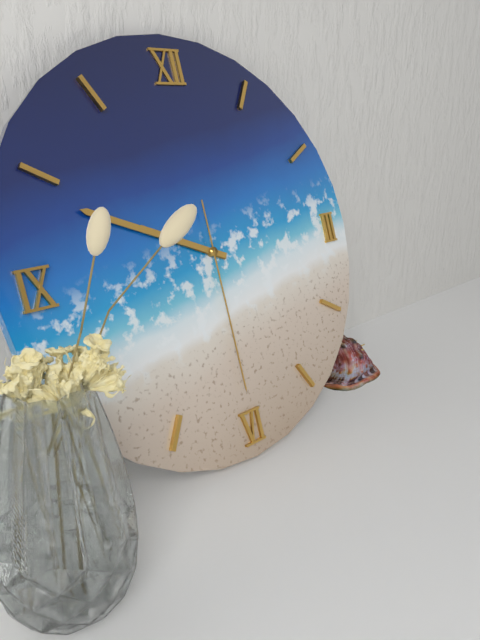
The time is 9:49:30
